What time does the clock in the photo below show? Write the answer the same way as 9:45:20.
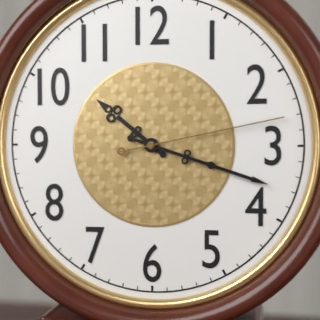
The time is 10:18:13
